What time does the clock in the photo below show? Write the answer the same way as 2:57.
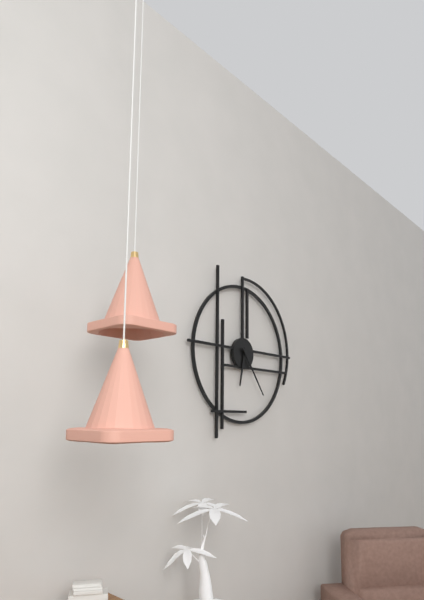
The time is 6:24
